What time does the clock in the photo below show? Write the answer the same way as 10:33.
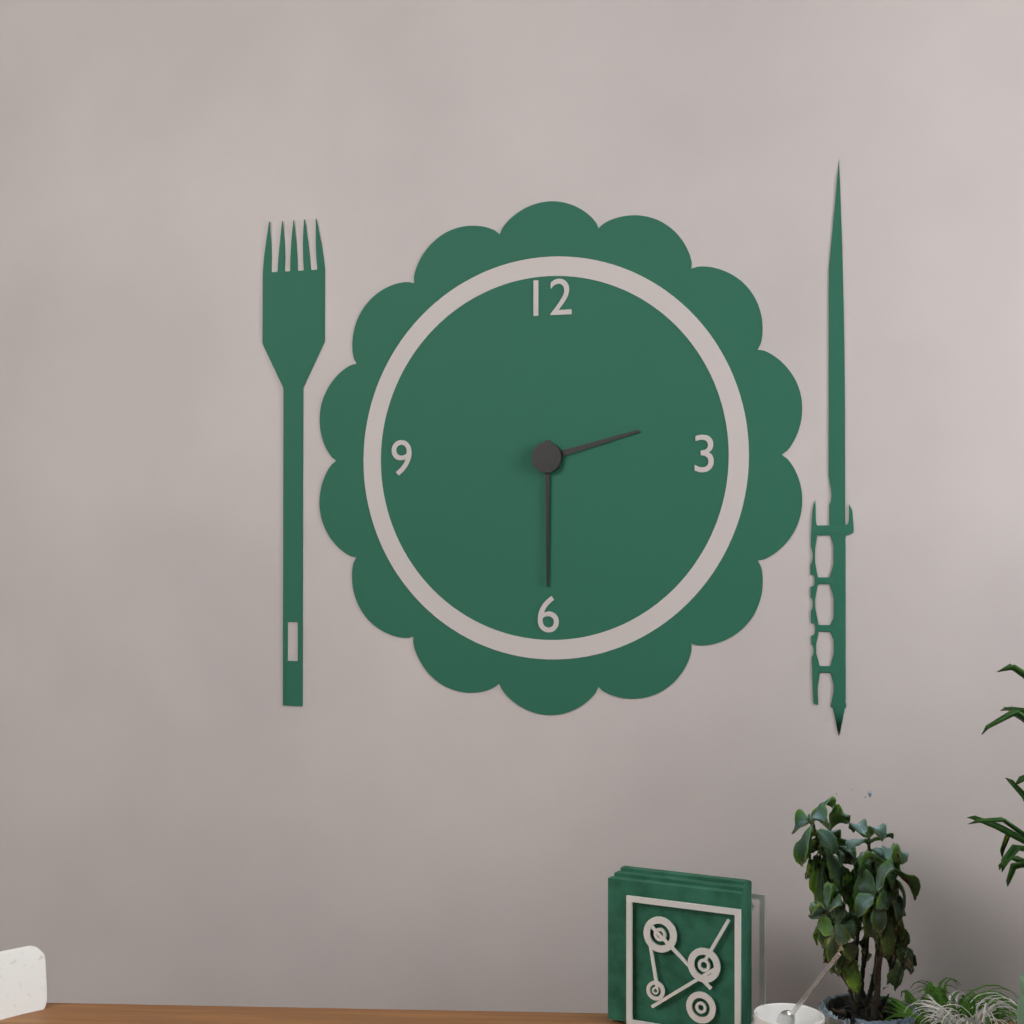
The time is 2:30
